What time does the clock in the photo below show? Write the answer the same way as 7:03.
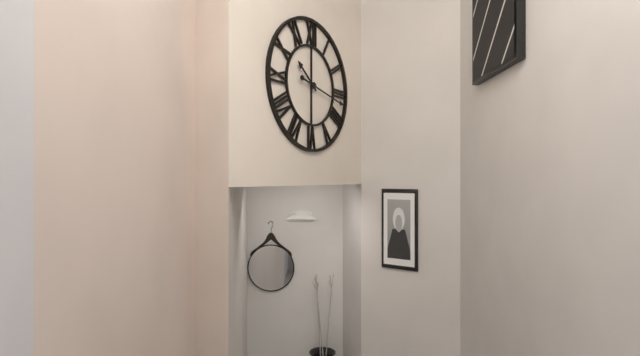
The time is 10:17
